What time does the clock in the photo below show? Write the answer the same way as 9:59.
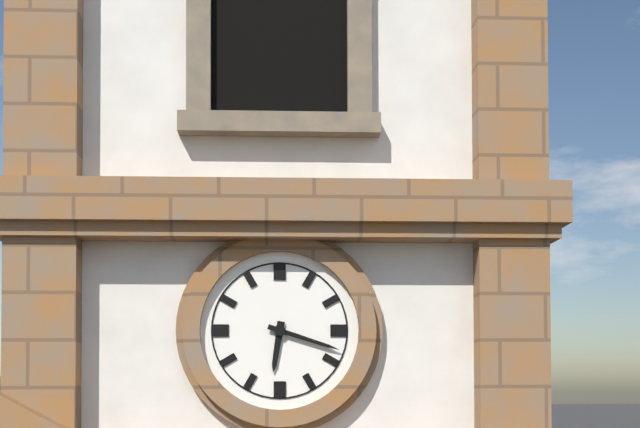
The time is 6:18
